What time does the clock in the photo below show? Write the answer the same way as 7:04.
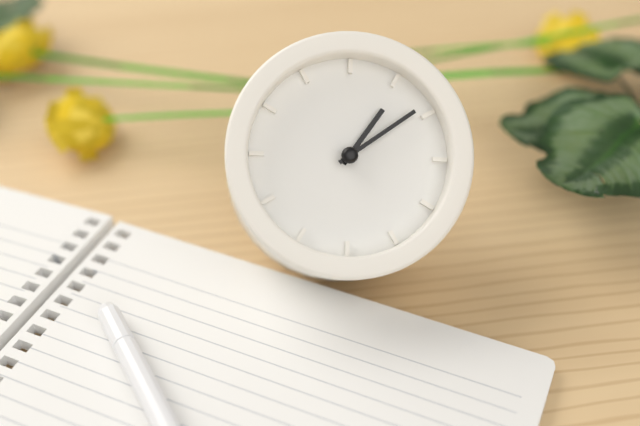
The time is 1:09
